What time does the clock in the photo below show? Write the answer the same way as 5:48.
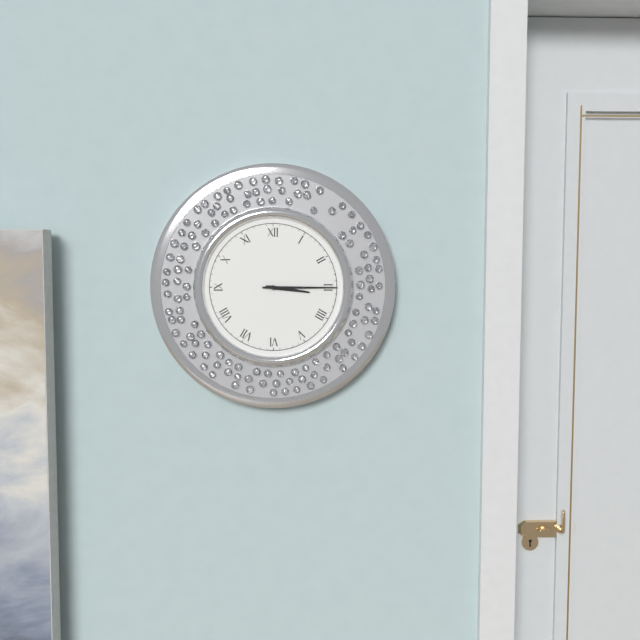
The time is 3:15
